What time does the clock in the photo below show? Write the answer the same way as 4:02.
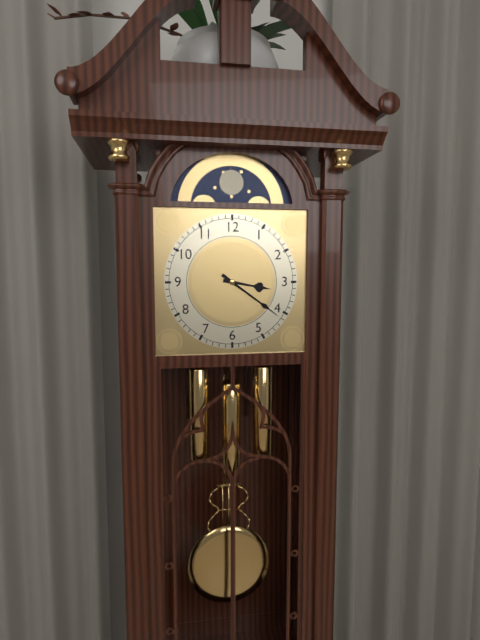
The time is 3:21
